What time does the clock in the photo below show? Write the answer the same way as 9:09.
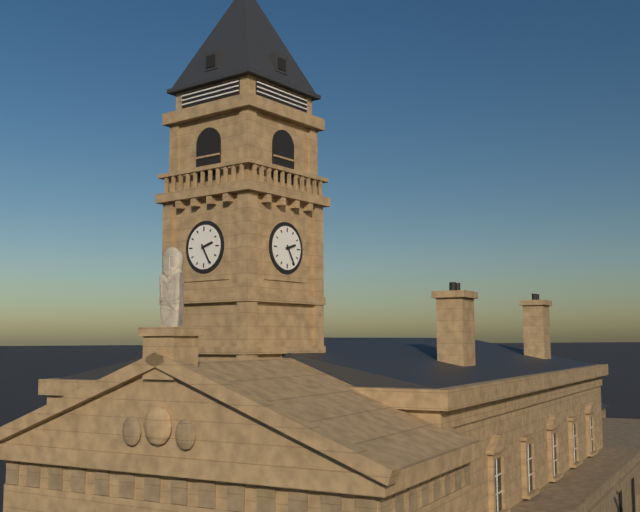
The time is 2:25
